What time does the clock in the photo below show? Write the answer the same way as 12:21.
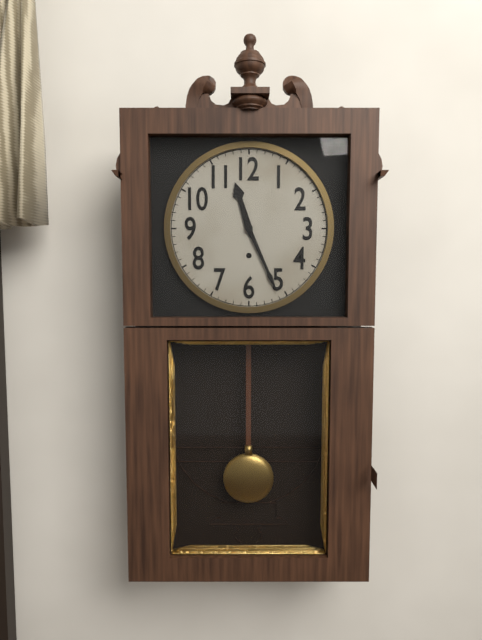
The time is 11:26
